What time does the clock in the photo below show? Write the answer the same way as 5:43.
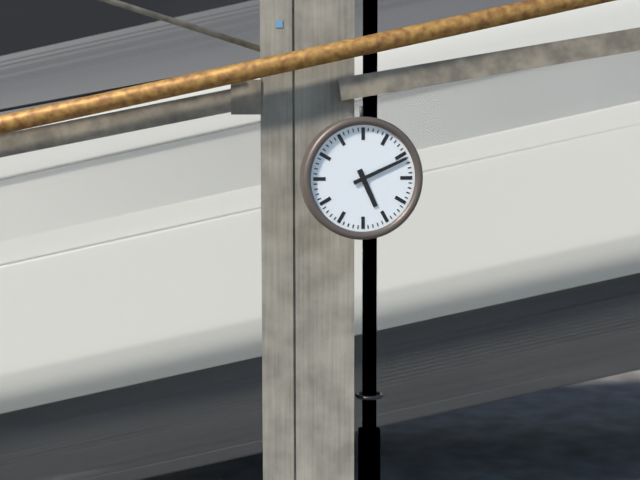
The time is 5:11
